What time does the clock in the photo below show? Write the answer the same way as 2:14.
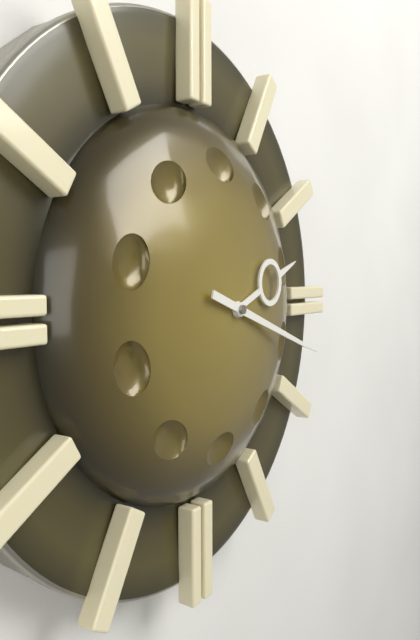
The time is 2:18
